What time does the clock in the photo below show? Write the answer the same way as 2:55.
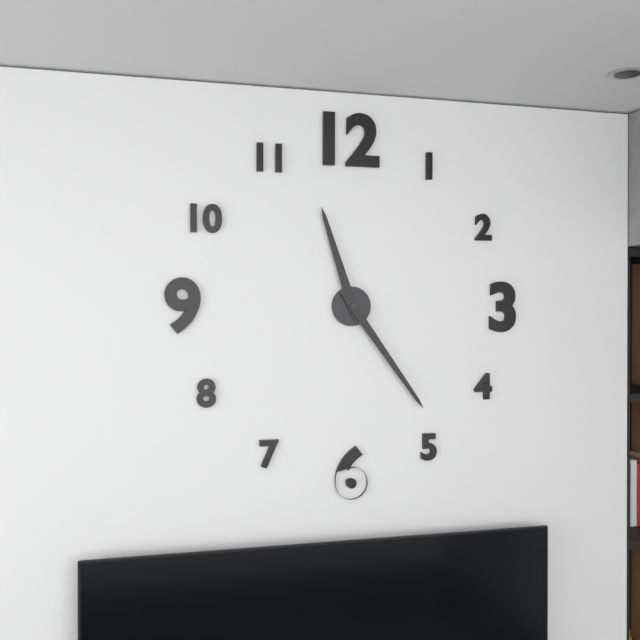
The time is 11:24
